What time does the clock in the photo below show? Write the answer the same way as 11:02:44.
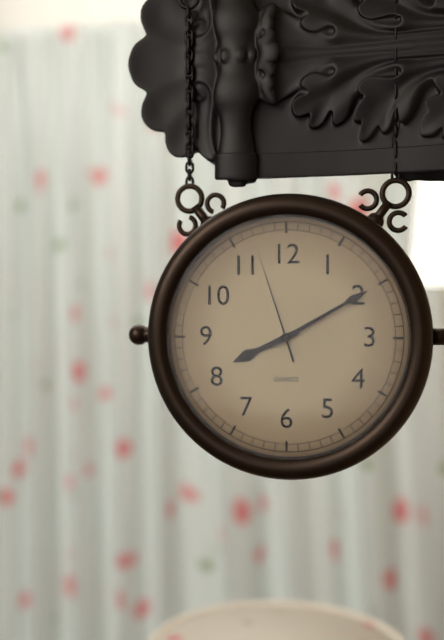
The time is 8:10:57
